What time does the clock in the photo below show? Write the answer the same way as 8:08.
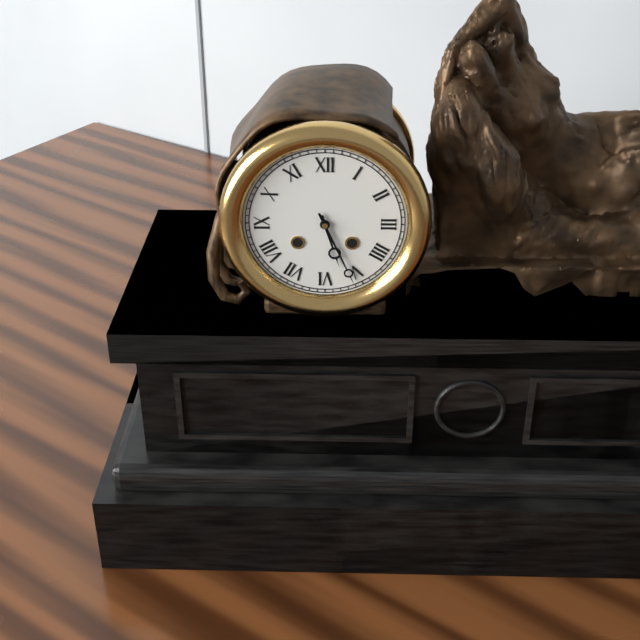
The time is 5:26
